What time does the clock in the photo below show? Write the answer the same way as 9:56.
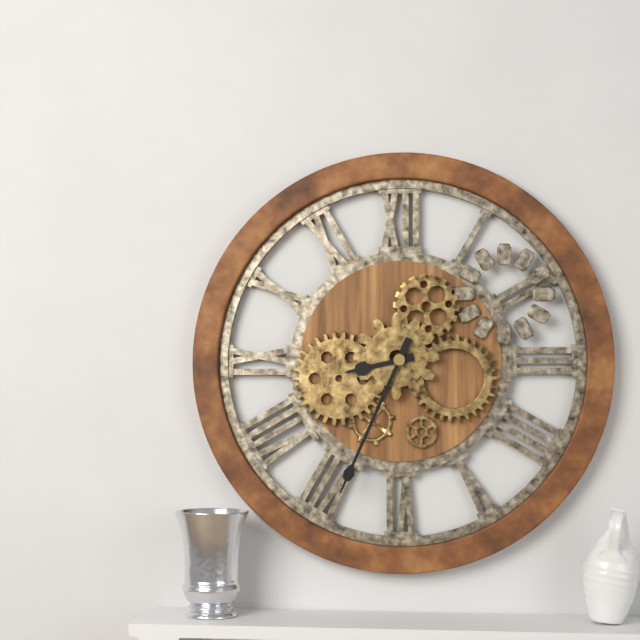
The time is 8:34
